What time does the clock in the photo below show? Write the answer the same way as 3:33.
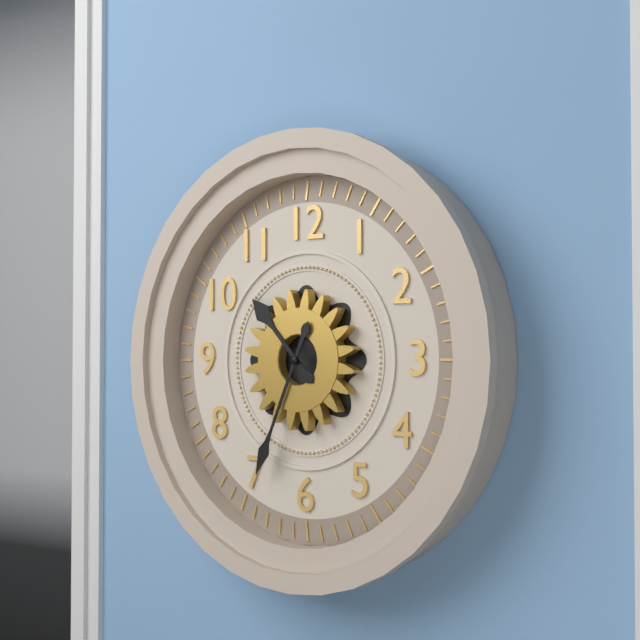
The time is 10:34
